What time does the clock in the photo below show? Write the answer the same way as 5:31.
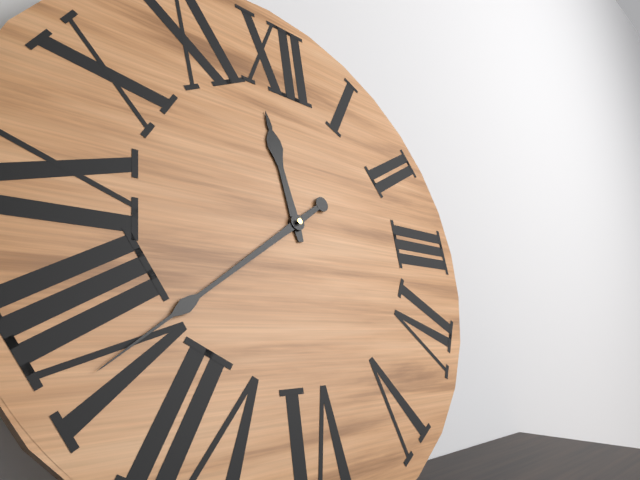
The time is 11:39
